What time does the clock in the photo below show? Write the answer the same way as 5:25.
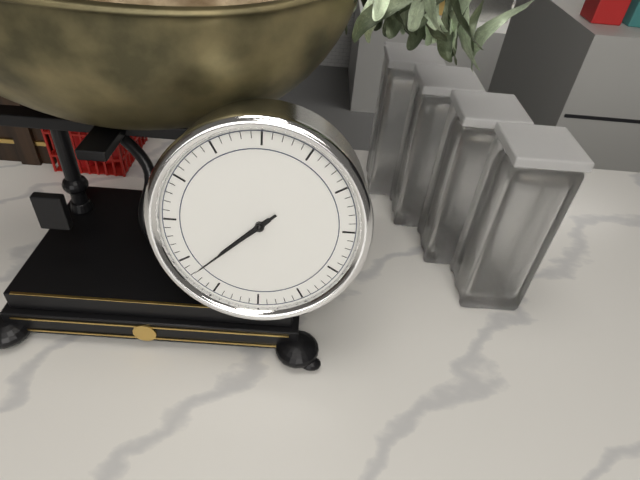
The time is 7:38
